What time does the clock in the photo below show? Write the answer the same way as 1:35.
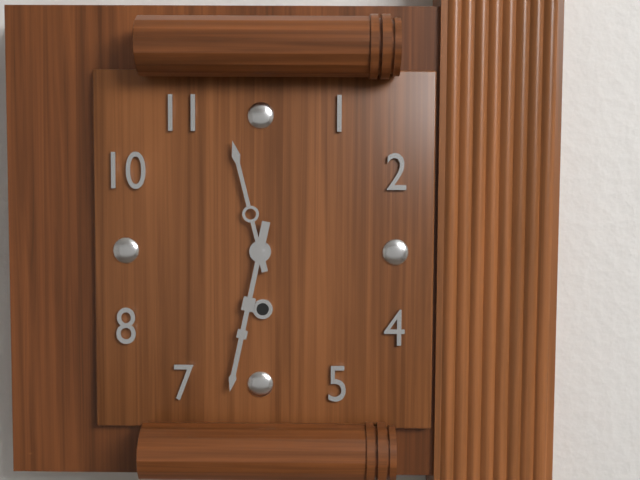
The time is 11:32
